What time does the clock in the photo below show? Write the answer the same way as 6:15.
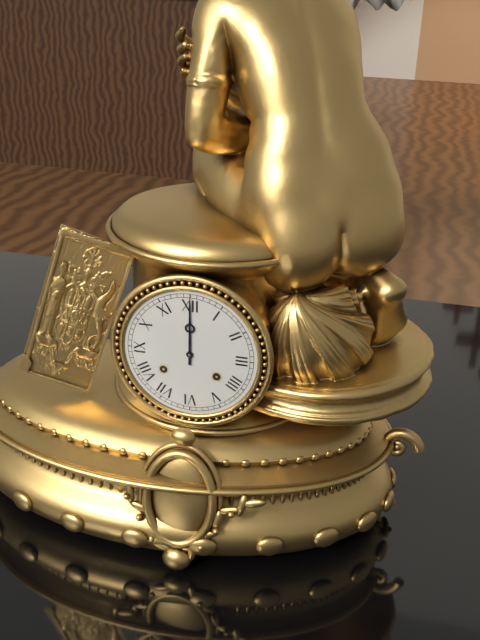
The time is 12:00
